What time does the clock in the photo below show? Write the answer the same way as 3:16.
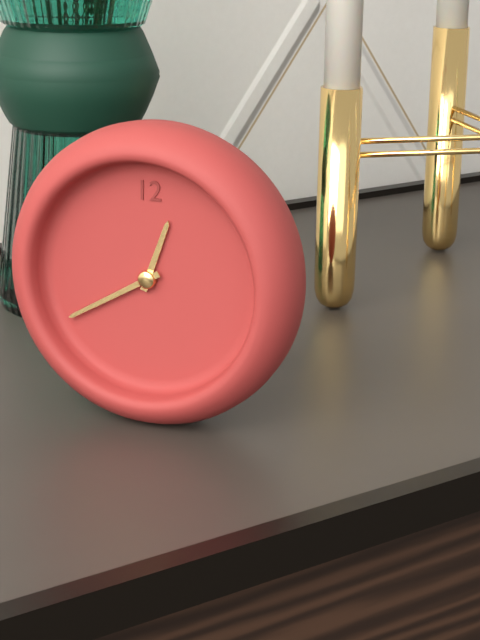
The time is 12:40
